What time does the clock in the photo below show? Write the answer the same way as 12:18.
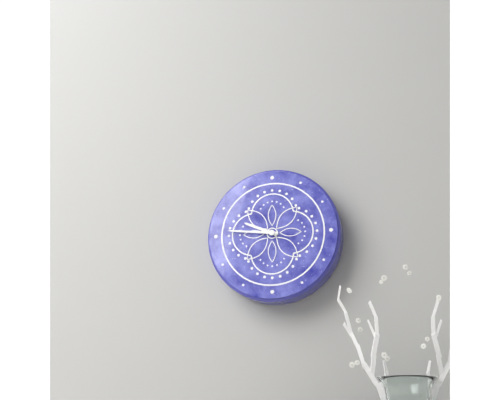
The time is 9:46
